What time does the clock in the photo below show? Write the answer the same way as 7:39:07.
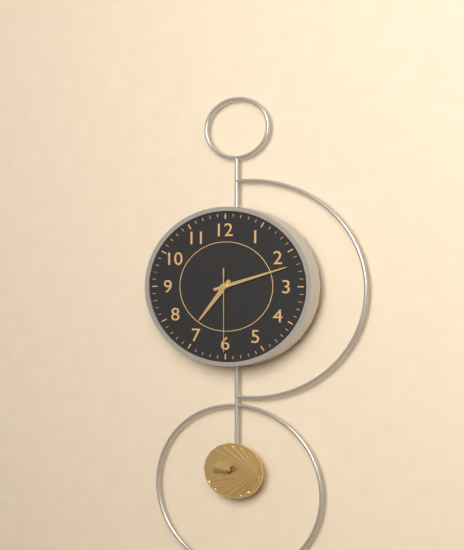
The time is 7:12:30
